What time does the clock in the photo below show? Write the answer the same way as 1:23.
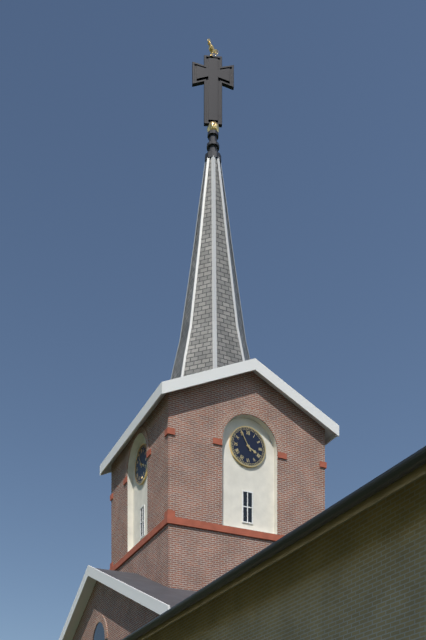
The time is 3:55
